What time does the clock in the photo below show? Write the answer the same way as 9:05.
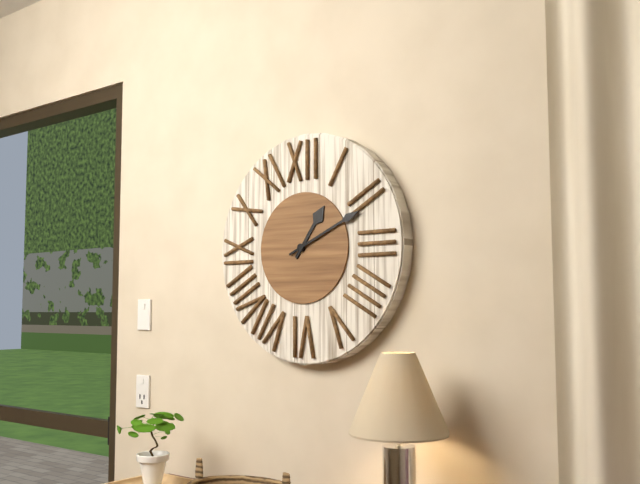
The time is 1:11
